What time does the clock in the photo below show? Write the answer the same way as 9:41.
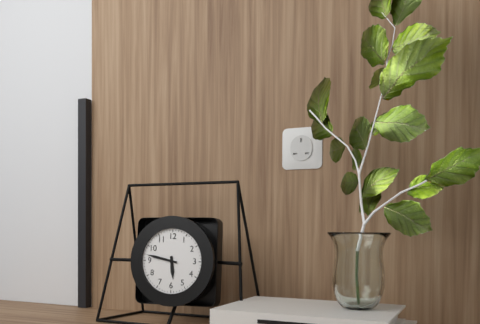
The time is 5:47
